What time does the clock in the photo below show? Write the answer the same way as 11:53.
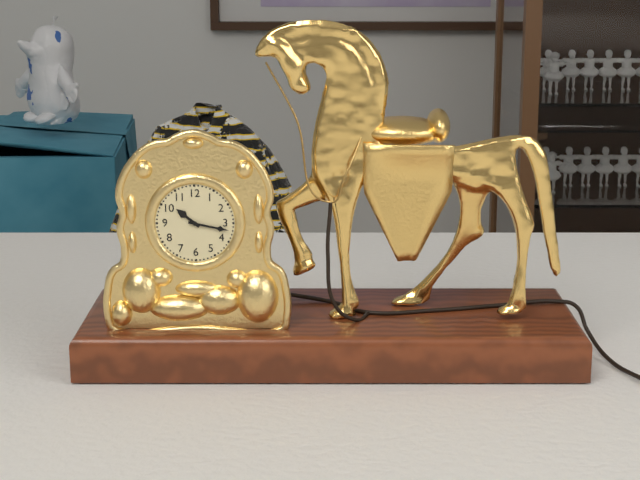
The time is 10:17
